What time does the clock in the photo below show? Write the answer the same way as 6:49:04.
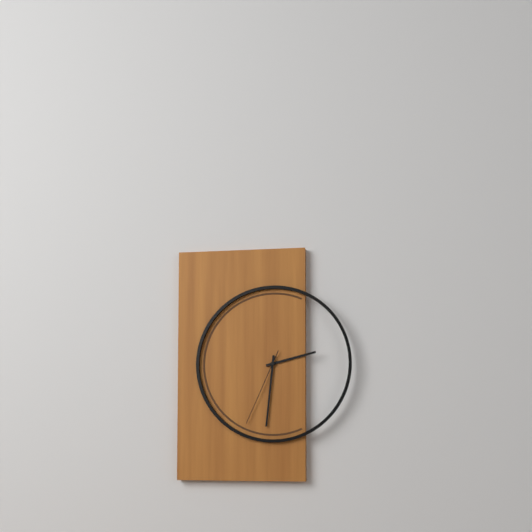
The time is 2:31:34
